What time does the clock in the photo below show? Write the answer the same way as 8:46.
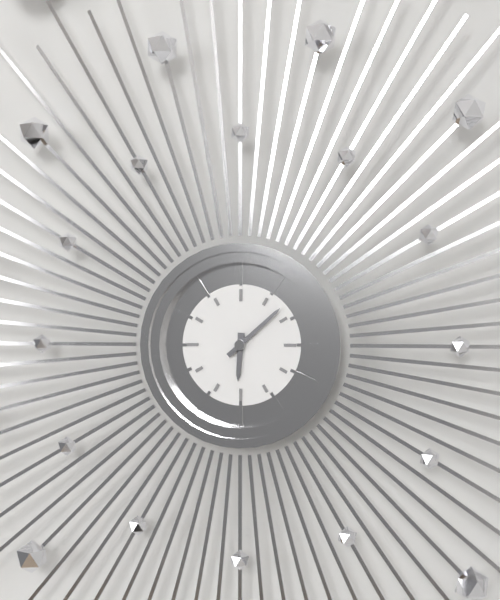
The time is 6:08
